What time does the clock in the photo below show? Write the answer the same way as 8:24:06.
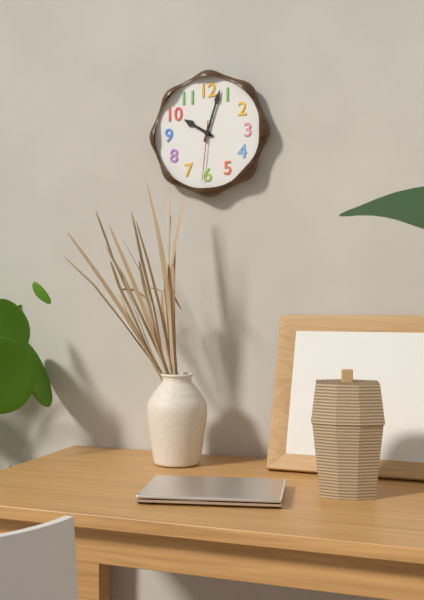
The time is 10:03:31
